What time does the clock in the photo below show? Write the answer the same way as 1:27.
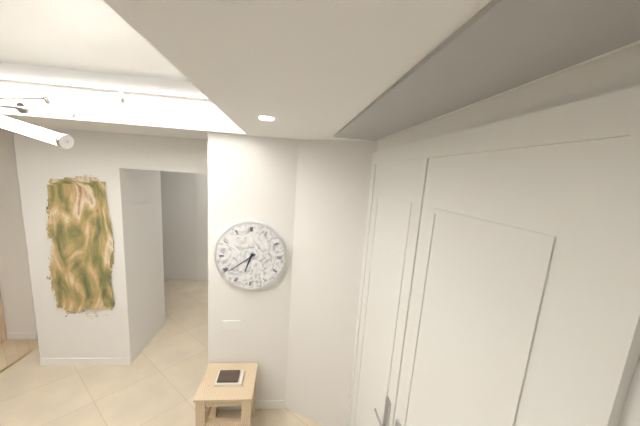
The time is 6:39
